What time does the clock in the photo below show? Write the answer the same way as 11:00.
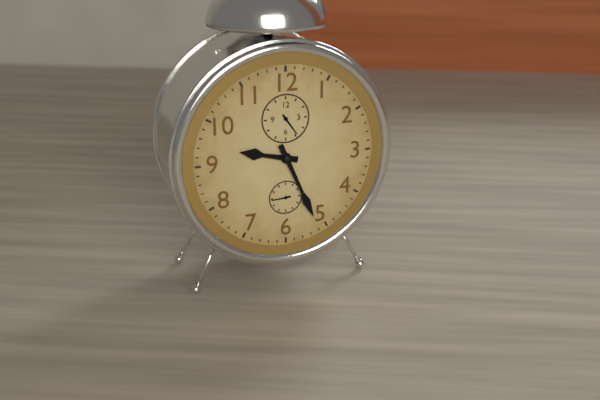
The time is 9:26
